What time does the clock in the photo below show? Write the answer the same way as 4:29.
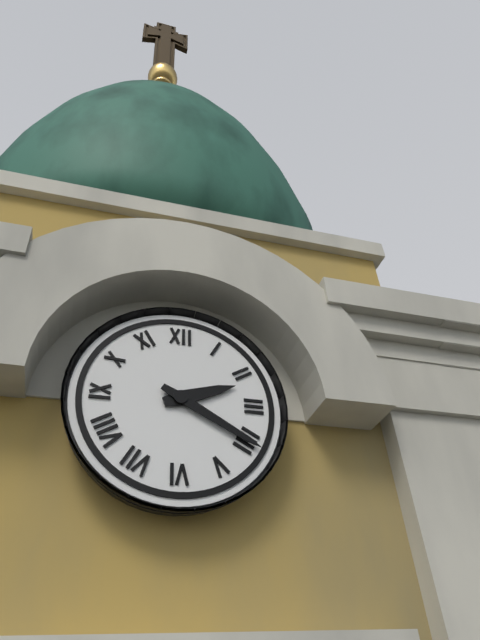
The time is 2:20
